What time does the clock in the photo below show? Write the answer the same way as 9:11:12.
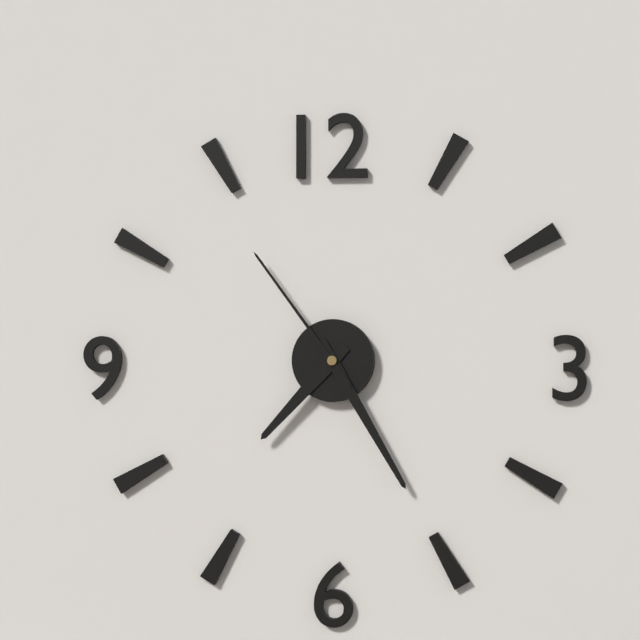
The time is 7:25:54
